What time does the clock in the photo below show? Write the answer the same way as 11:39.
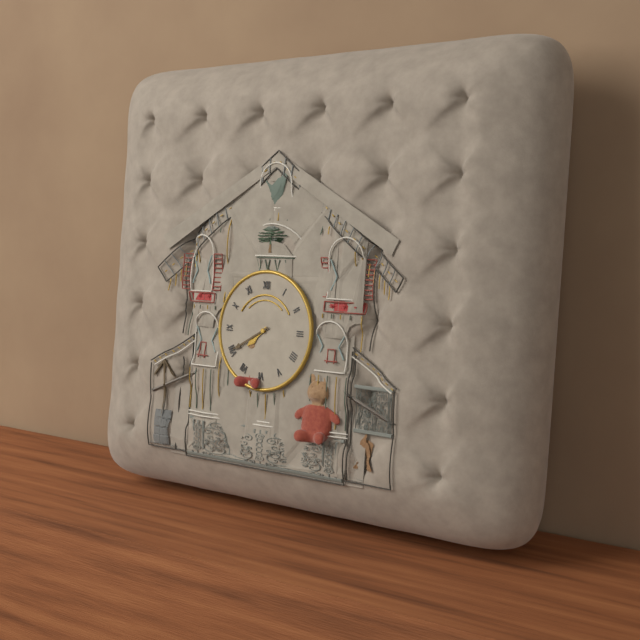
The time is 7:40
